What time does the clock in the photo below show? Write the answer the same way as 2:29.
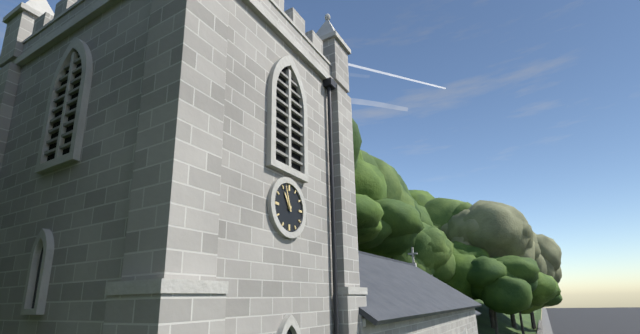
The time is 10:57
